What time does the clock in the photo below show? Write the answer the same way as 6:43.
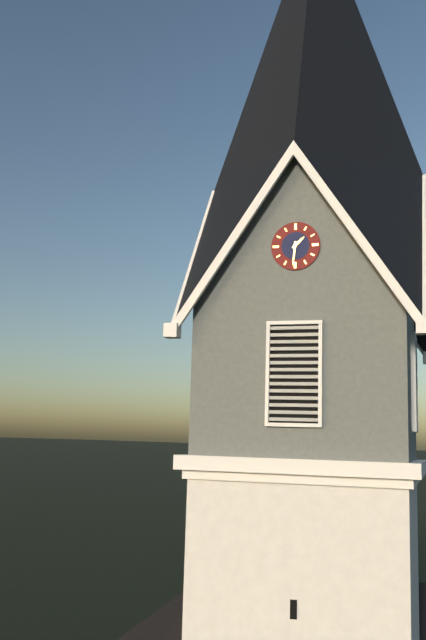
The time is 1:31
